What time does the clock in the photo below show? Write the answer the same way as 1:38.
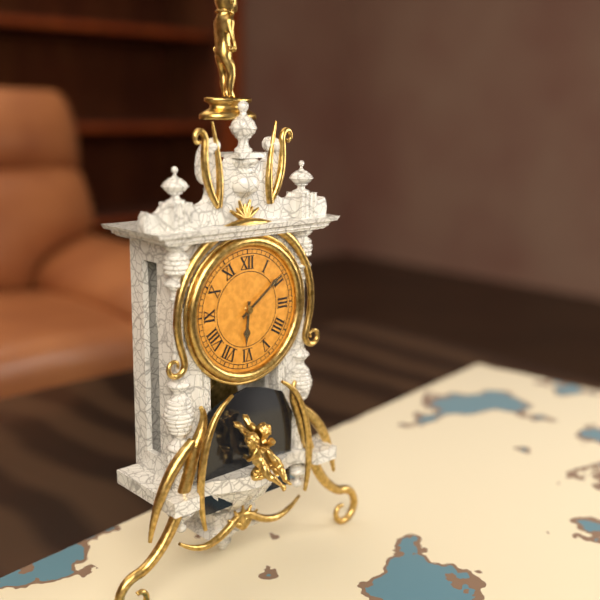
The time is 6:09
